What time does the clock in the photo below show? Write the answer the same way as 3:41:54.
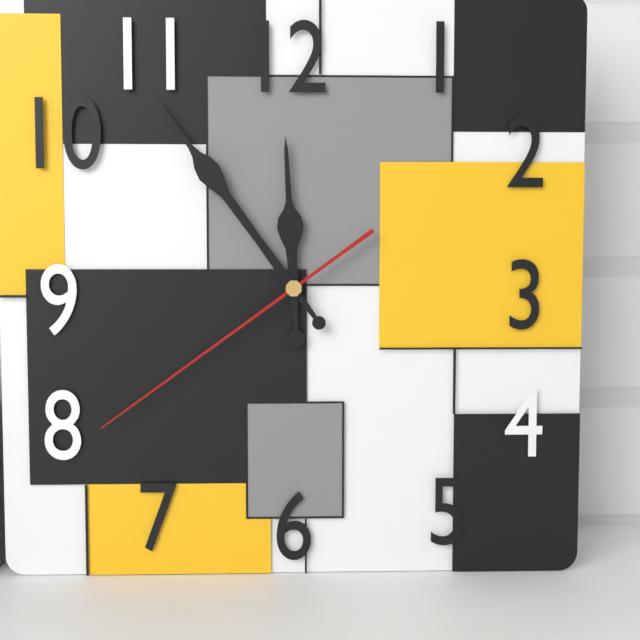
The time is 11:54:39
